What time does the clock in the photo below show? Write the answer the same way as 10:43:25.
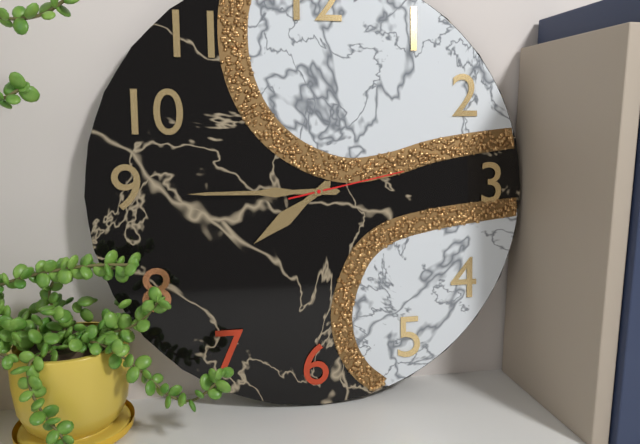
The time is 7:45:13
